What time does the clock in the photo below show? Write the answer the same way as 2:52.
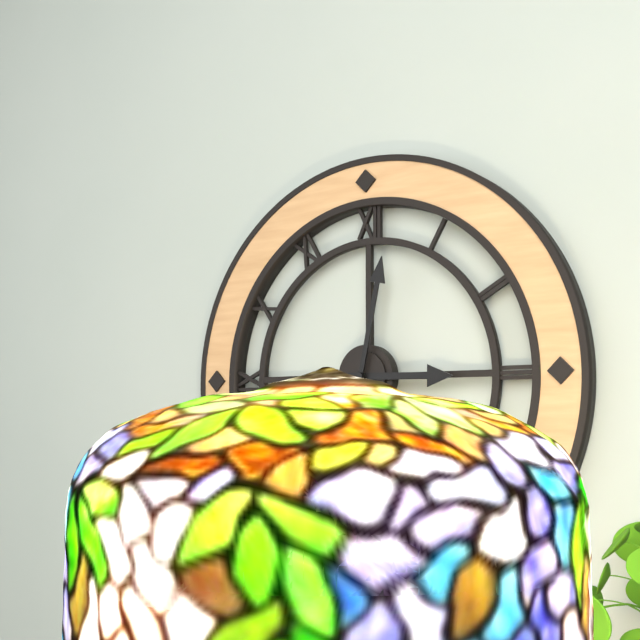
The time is 3:02
